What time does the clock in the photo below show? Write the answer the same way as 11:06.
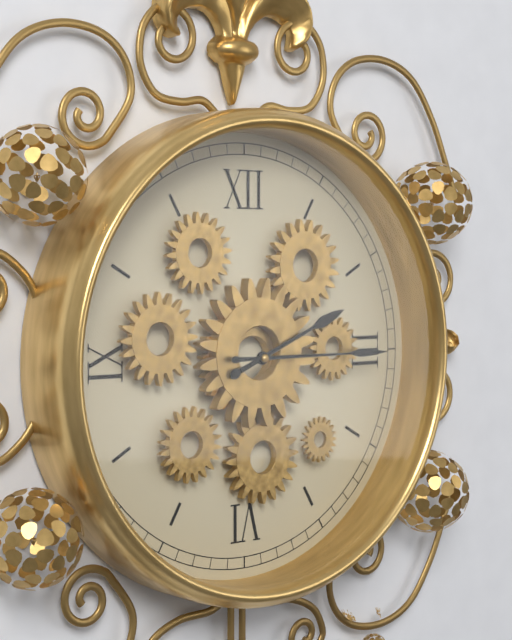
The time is 2:15
